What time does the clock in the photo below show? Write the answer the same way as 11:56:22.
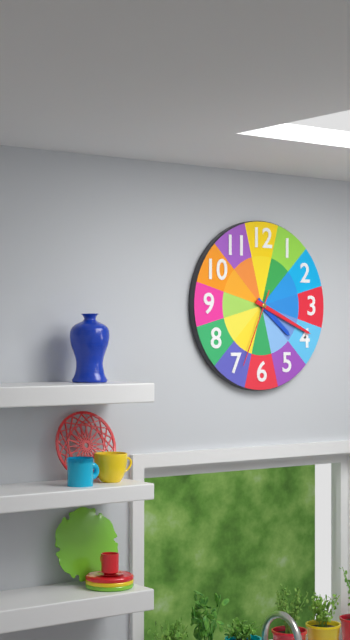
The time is 4:19:34
